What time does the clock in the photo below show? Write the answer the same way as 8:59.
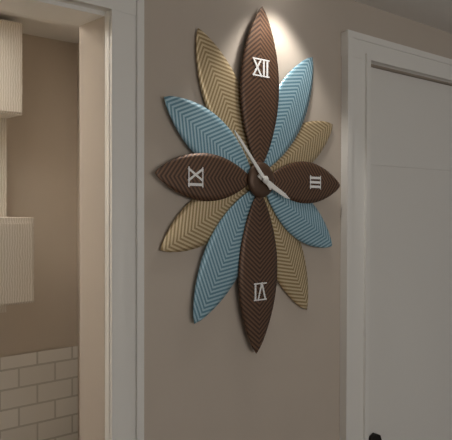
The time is 3:53
